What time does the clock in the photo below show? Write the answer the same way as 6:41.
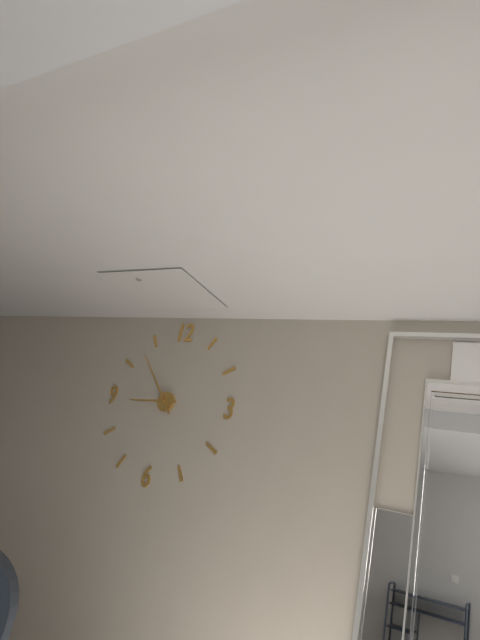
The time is 8:53
